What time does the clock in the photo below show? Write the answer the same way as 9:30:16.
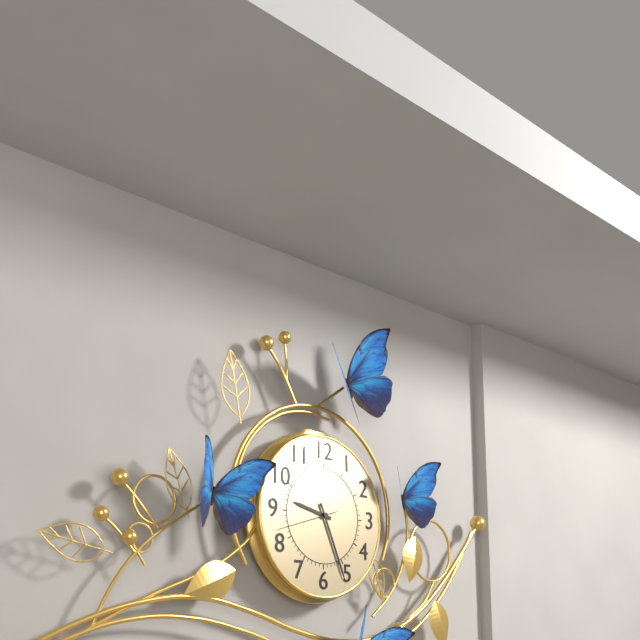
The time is 9:26:42
